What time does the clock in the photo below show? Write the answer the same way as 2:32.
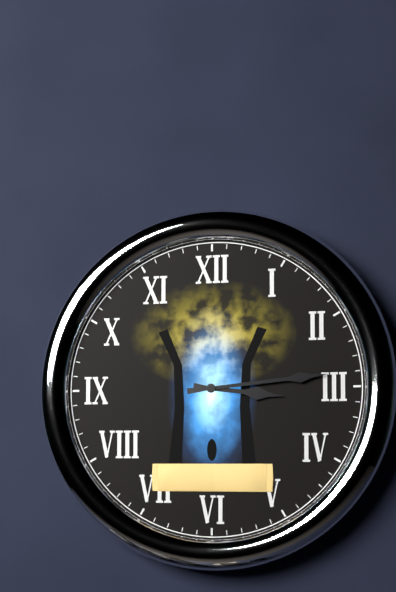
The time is 3:14
